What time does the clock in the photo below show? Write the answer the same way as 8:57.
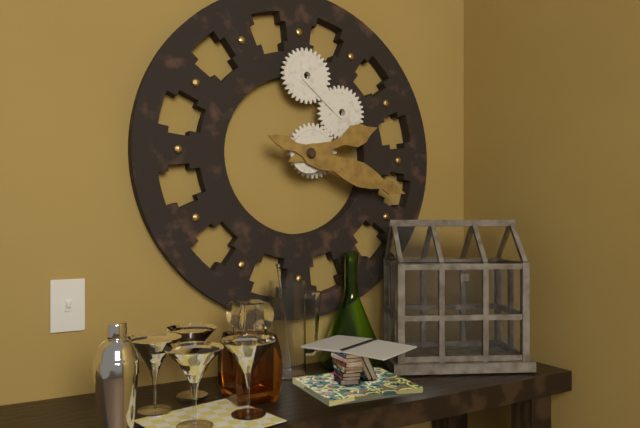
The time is 2:18
